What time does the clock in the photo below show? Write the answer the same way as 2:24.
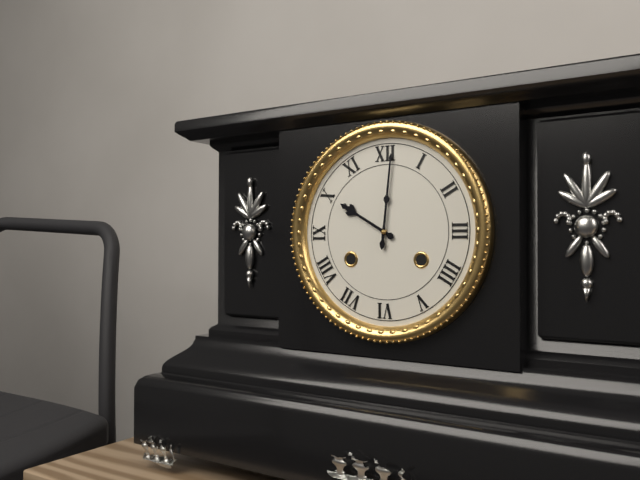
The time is 10:01
